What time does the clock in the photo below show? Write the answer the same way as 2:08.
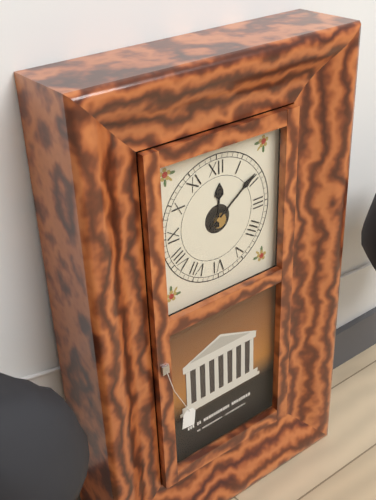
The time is 12:09
